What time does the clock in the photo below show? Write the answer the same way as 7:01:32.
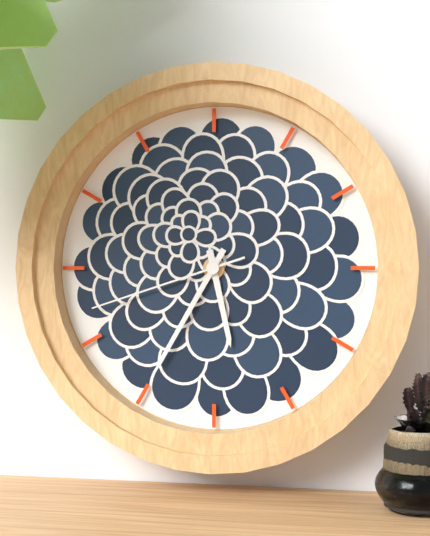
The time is 5:35:42
